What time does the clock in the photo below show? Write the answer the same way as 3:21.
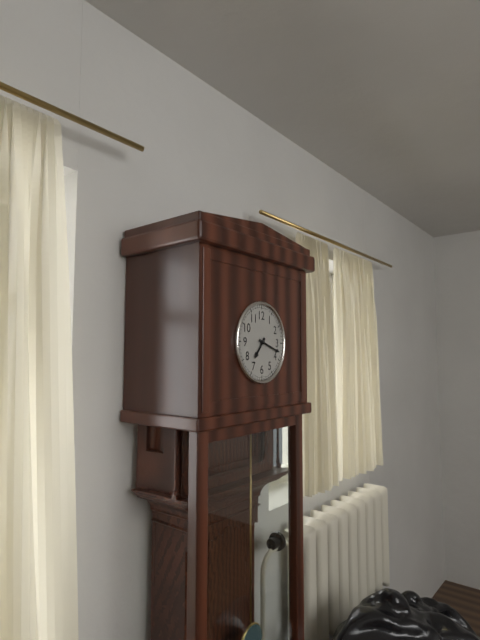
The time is 7:18
